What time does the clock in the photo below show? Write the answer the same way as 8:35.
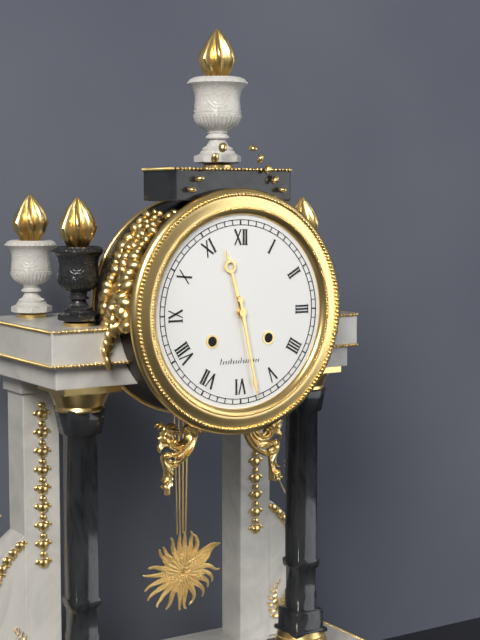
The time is 11:28
